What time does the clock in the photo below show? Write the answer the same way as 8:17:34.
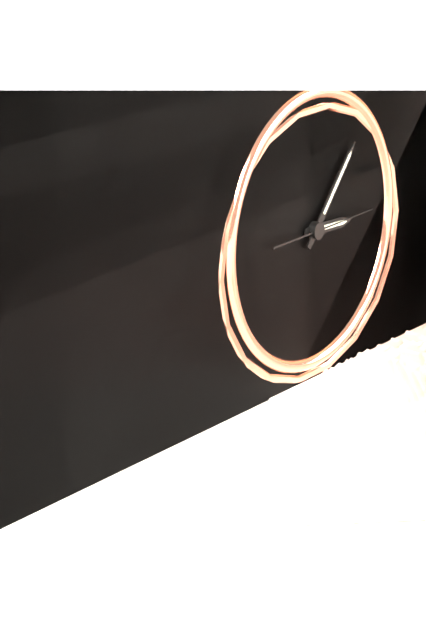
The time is 3:07:15
